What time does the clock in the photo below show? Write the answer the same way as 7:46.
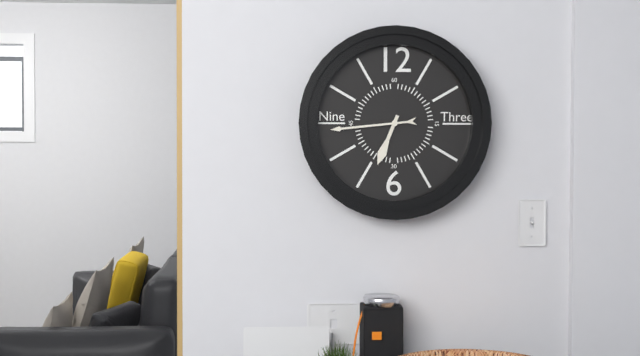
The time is 6:44
